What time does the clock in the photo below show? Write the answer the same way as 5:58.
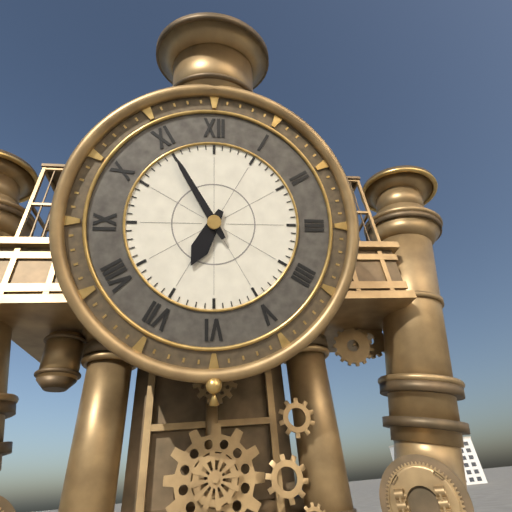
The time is 6:55
